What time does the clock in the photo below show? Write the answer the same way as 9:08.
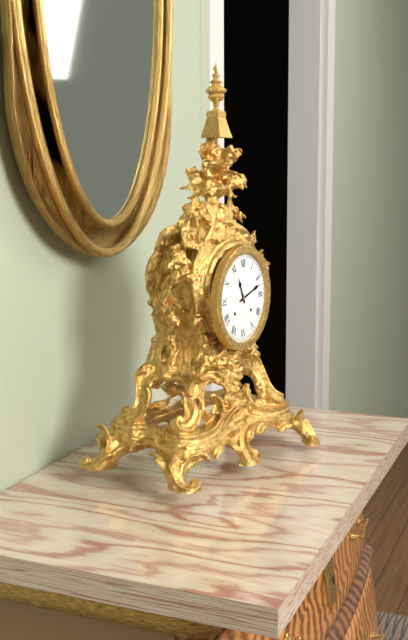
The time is 11:12
